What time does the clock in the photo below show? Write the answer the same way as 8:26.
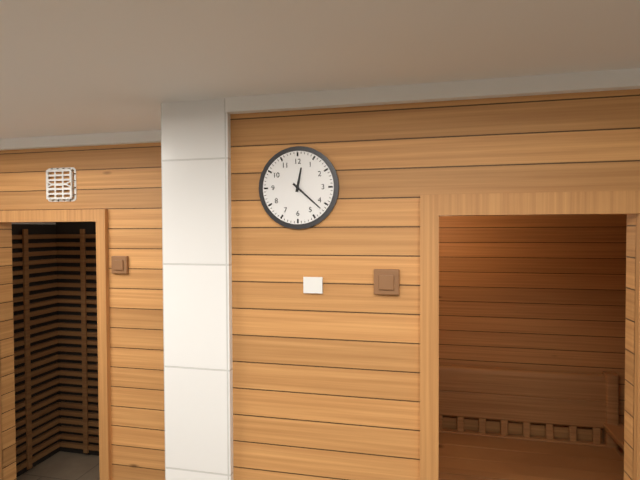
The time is 12:22
